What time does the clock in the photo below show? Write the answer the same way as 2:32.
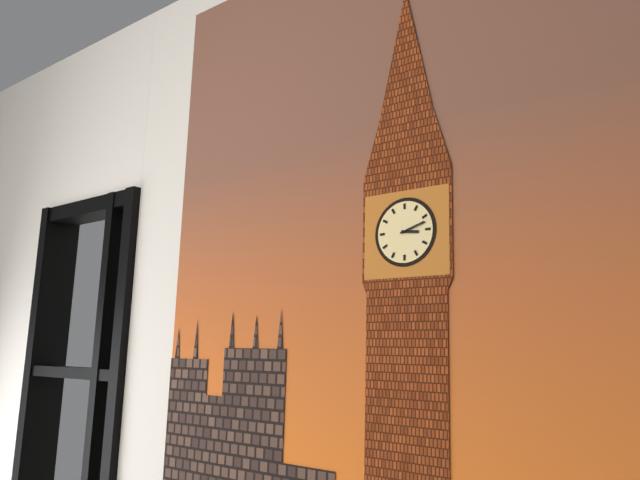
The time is 3:12
